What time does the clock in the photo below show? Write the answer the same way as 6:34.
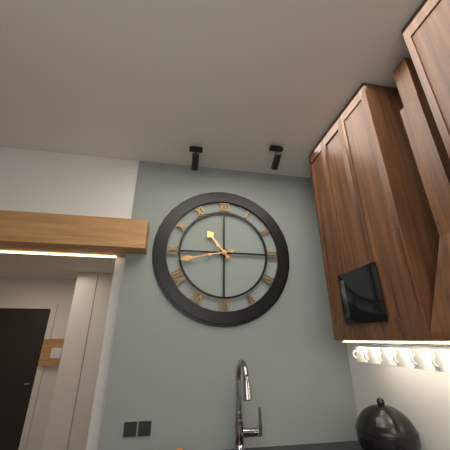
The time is 10:43
